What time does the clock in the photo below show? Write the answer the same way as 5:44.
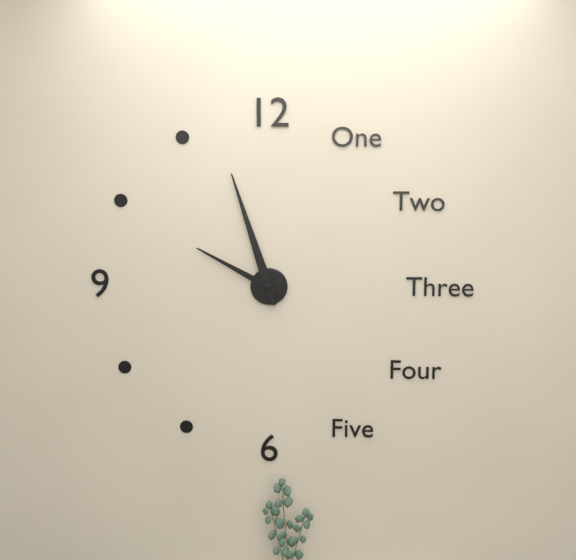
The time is 9:57
